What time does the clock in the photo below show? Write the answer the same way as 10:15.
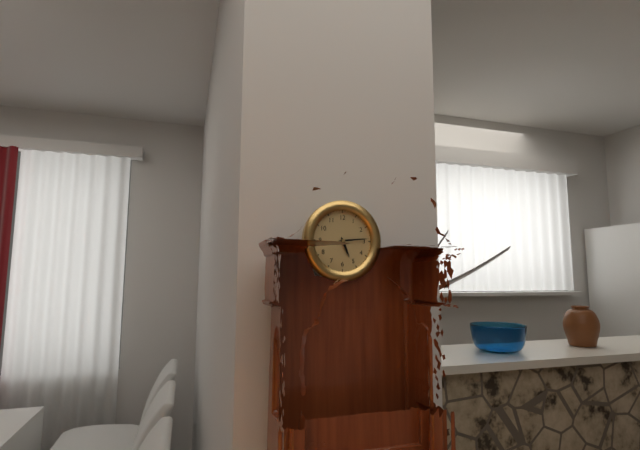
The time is 5:14
